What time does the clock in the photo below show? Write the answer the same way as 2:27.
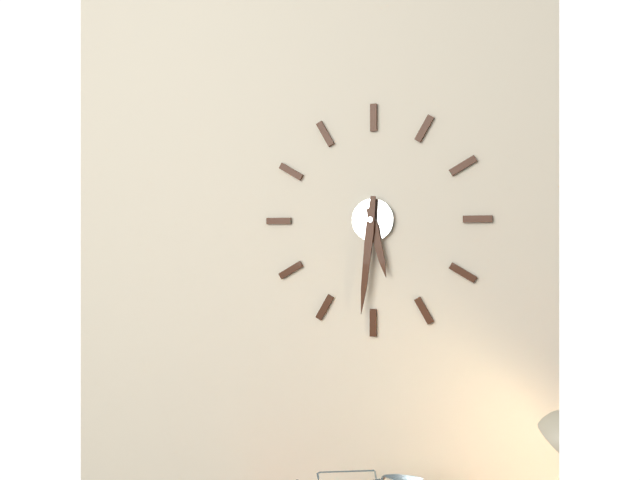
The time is 5:31
